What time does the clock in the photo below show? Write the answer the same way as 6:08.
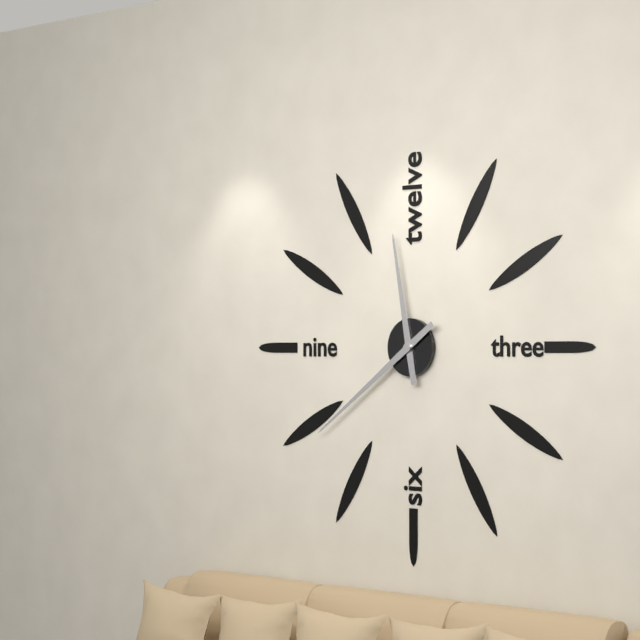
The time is 11:39
